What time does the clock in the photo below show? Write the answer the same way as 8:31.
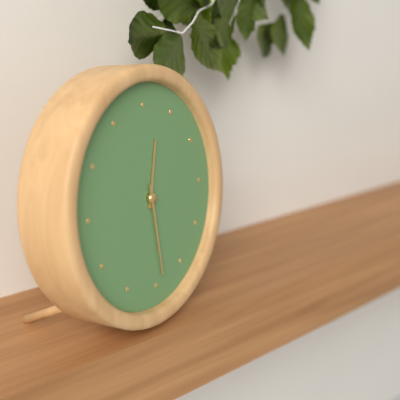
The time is 12:29
